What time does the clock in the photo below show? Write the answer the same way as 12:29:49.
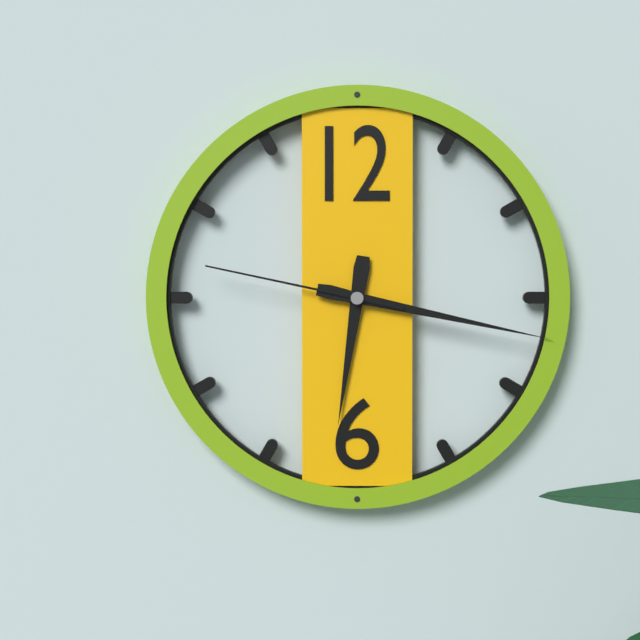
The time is 6:17:47
